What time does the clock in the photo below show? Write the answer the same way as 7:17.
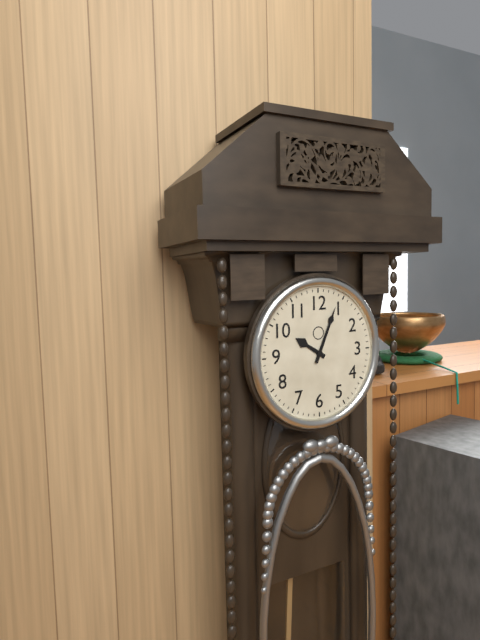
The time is 10:04
